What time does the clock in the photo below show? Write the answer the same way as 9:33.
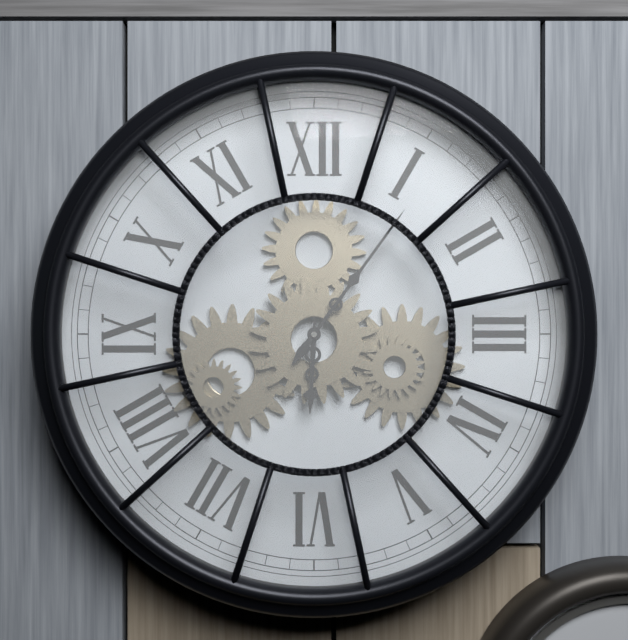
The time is 6:06
